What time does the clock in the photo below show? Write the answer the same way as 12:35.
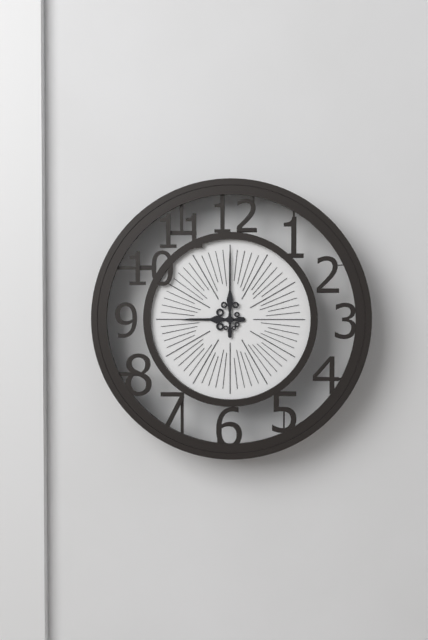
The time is 9:00
